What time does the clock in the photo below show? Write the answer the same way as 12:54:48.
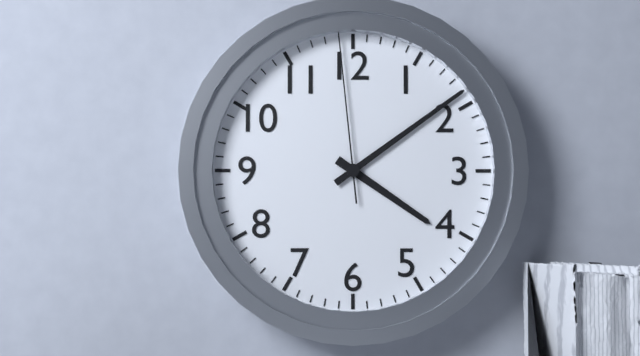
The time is 4:09:59
